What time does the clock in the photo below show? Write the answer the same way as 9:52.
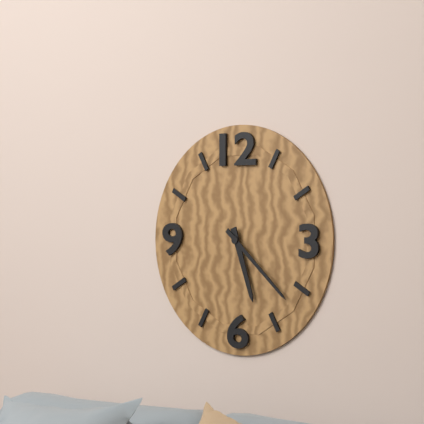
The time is 5:22
